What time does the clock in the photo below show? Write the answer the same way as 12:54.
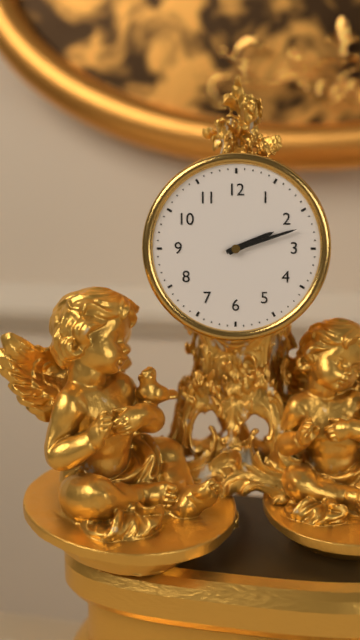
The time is 2:12
